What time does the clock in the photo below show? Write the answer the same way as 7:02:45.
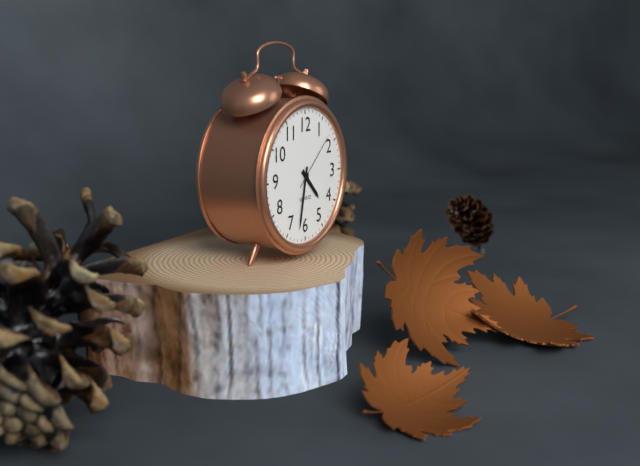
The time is 4:32:08
